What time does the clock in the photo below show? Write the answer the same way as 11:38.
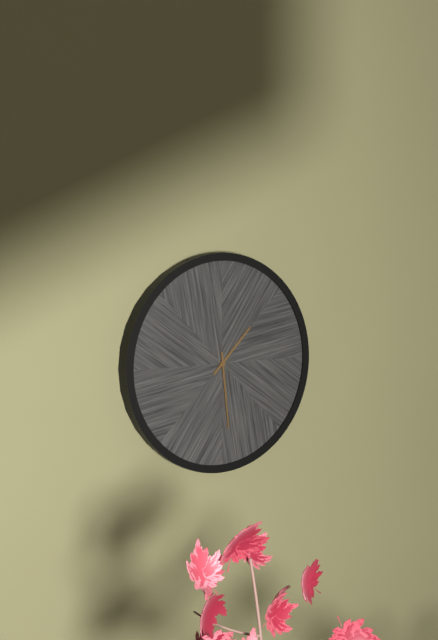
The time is 1:29
